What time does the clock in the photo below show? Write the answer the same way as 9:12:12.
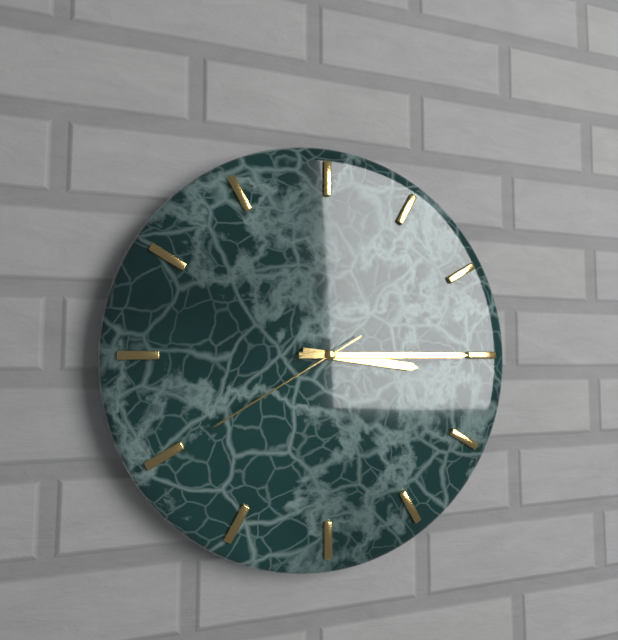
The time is 3:15:40
